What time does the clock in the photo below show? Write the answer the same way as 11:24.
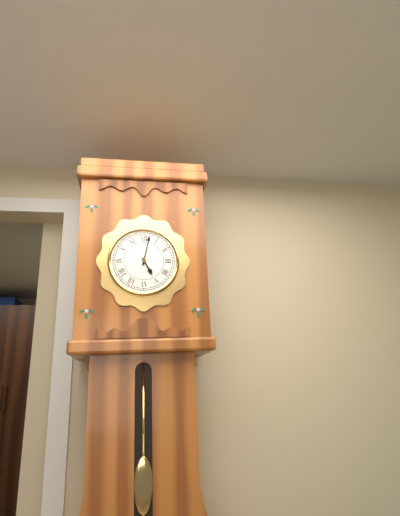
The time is 5:02
